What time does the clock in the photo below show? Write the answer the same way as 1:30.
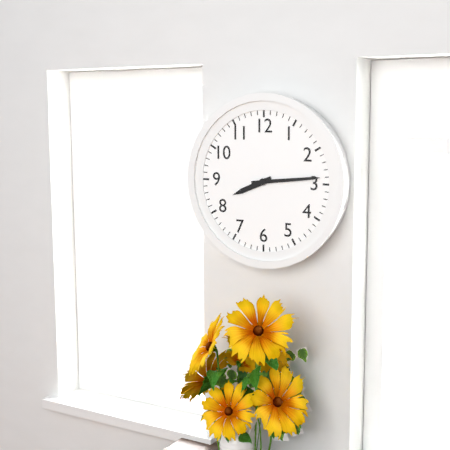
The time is 8:14
